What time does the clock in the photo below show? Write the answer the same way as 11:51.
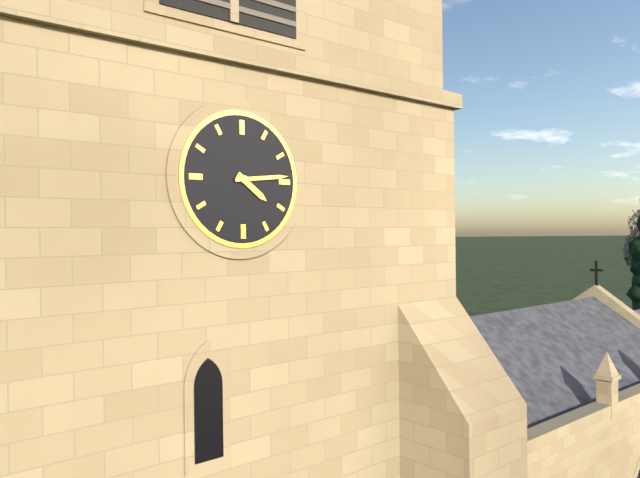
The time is 4:14
